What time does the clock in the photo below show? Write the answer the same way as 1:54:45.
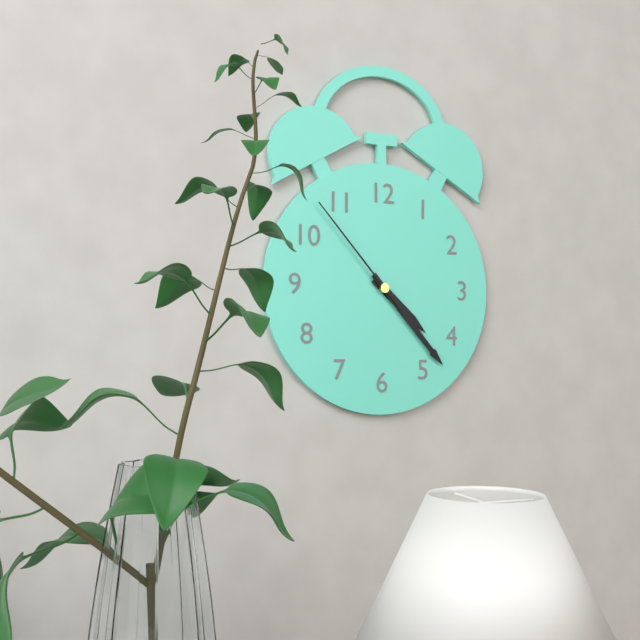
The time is 4:23:53
